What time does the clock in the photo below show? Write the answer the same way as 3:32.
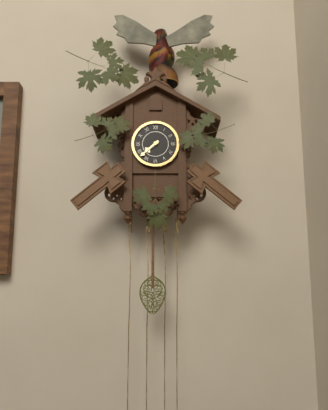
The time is 7:38
